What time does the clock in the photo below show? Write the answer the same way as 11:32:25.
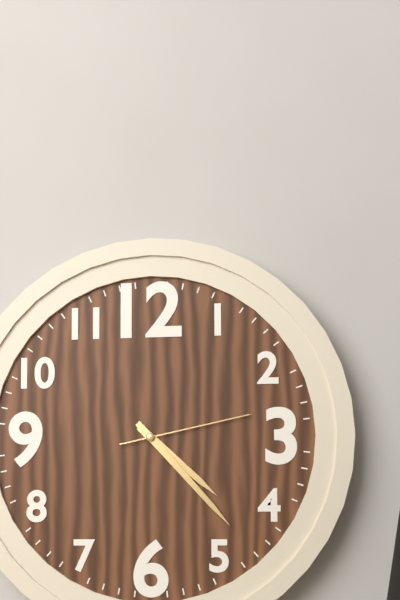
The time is 4:23:13
